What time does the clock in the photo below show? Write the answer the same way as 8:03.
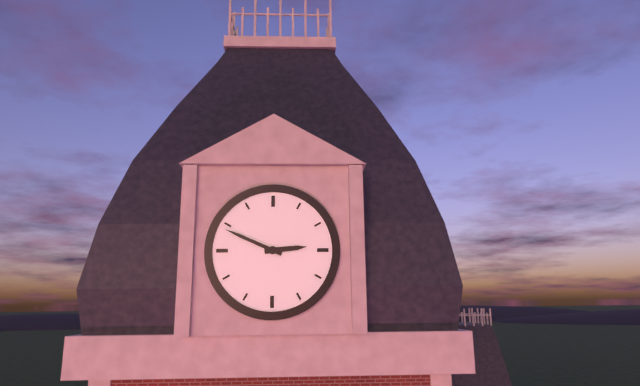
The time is 2:49
